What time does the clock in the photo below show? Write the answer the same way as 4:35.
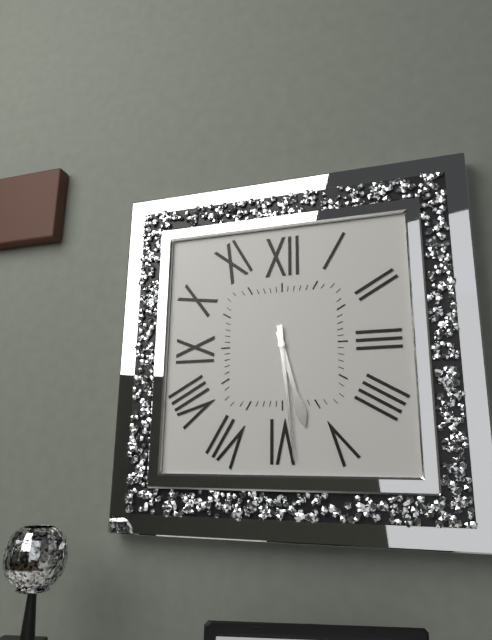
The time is 5:29
